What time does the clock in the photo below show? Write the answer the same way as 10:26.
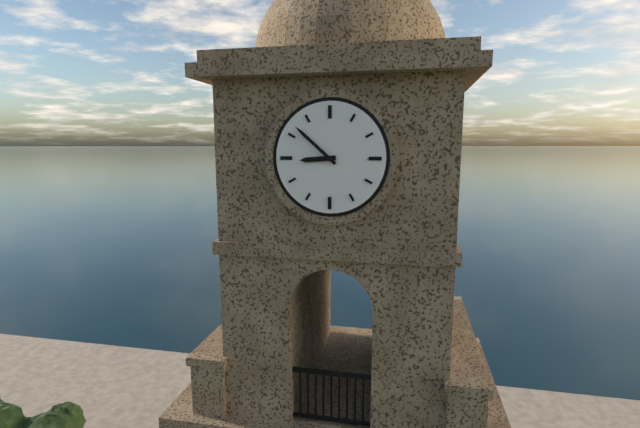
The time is 8:52
